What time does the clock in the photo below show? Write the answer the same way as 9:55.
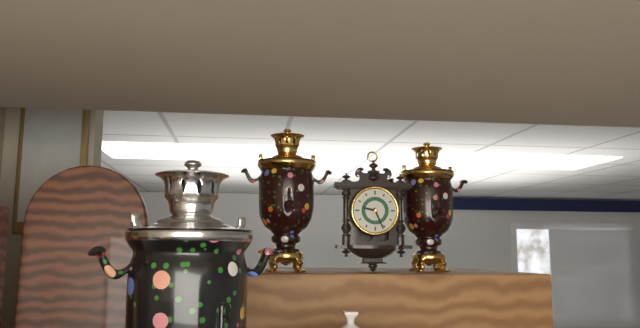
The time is 9:26
